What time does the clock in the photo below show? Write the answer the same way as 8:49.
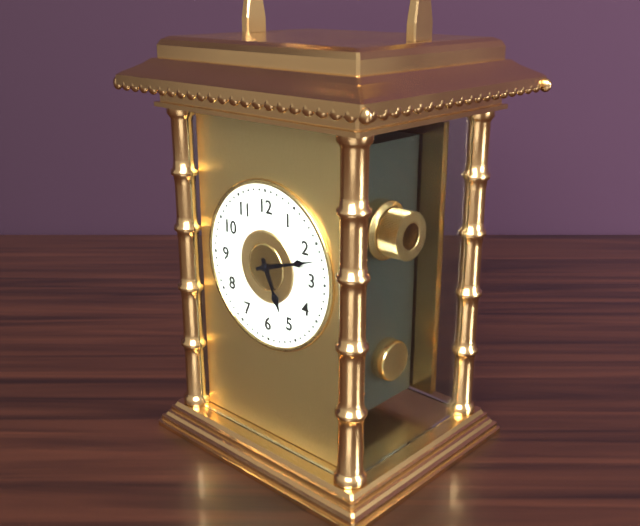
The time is 5:12
